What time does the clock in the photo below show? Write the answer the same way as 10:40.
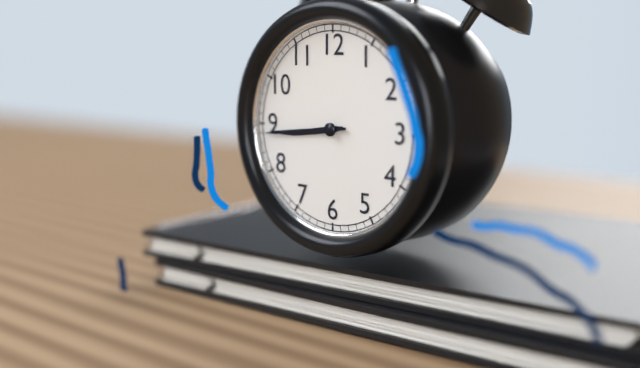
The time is 8:44
